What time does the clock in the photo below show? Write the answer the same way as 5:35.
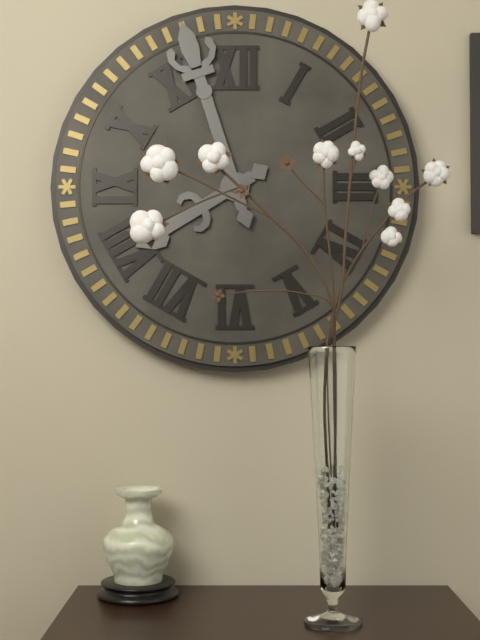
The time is 7:57
